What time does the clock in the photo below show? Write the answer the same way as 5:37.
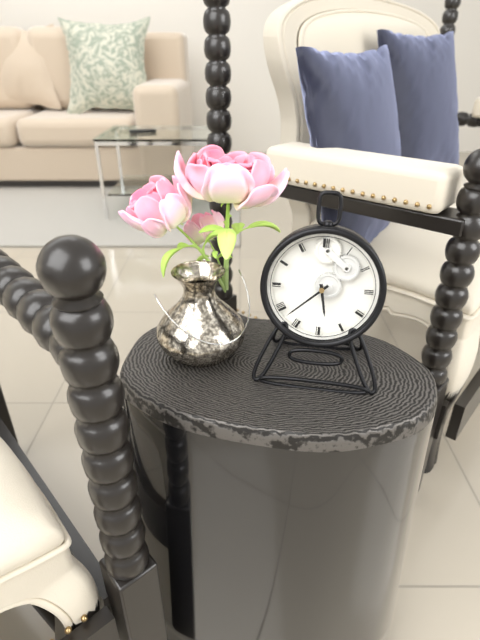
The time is 5:38
